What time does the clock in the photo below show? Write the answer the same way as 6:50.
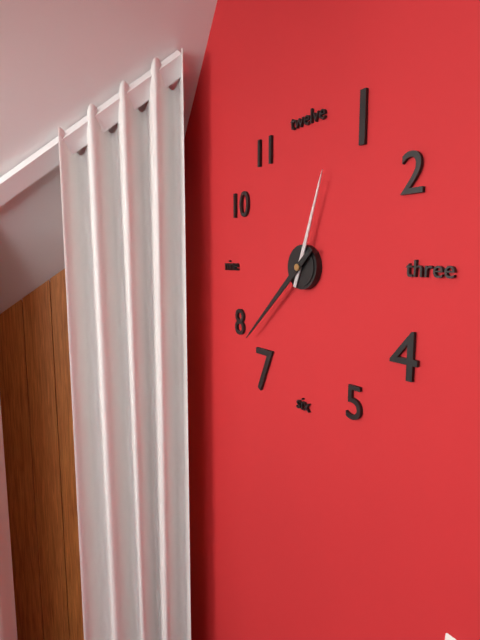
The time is 12:38
